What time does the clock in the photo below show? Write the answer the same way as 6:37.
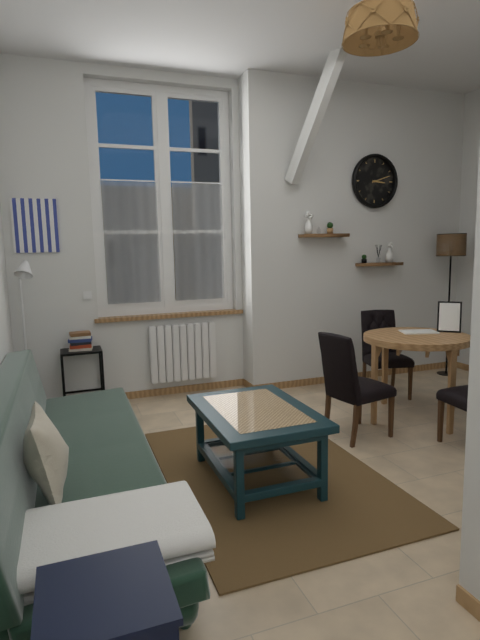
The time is 3:12
